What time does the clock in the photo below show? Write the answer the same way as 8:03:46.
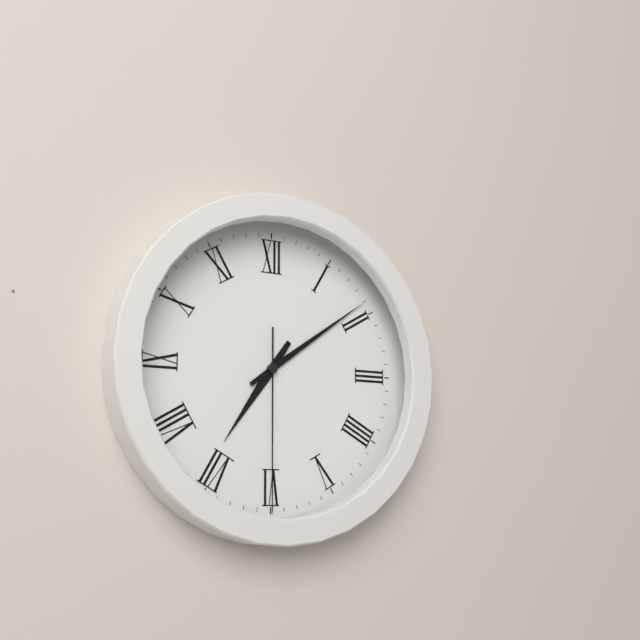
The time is 7:09:30
